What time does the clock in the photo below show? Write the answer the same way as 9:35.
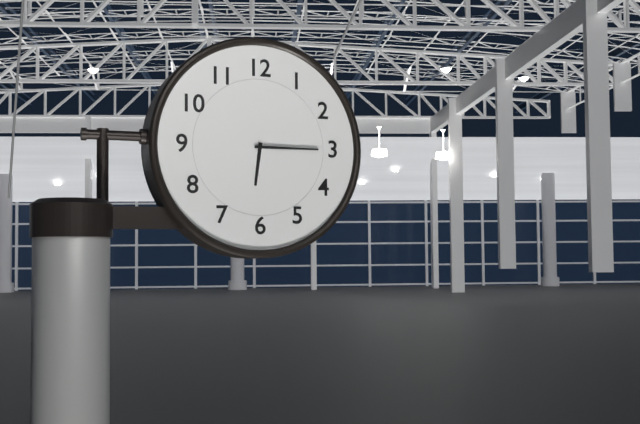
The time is 6:15
